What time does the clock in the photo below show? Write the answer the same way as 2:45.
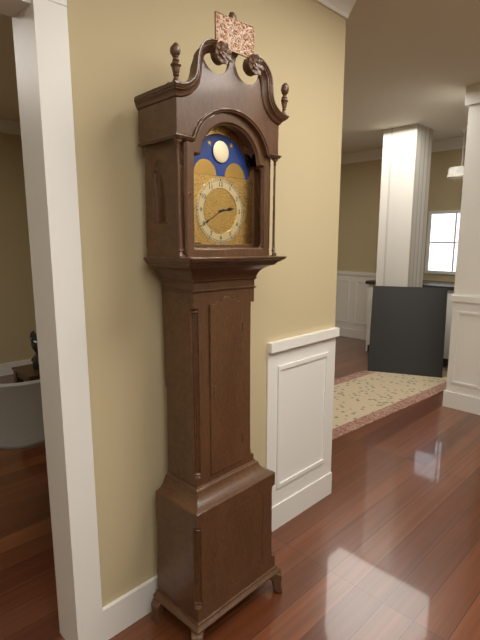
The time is 2:40
